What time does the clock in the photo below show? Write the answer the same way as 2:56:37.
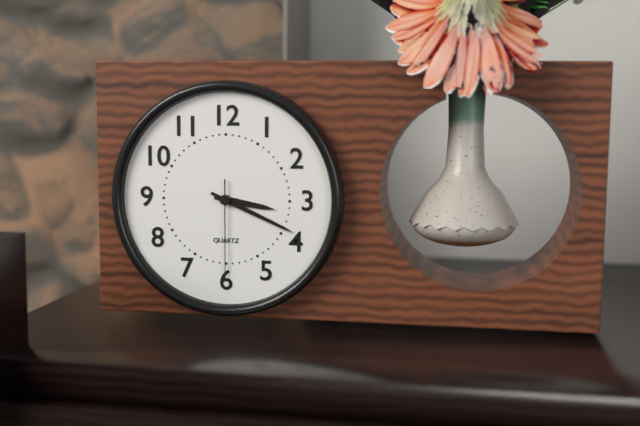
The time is 3:19:30
